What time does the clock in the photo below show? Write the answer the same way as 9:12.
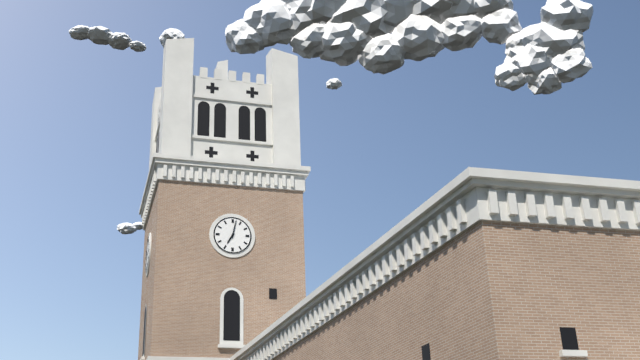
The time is 7:02
